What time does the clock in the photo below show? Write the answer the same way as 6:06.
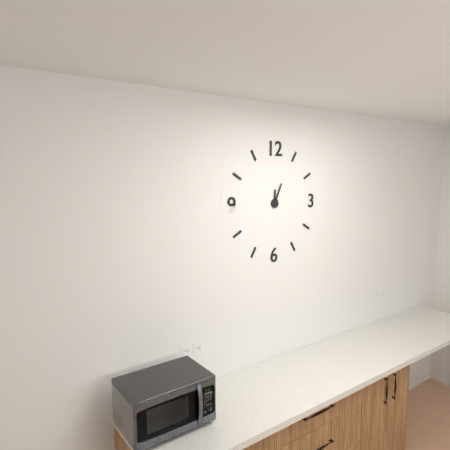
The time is 12:04
